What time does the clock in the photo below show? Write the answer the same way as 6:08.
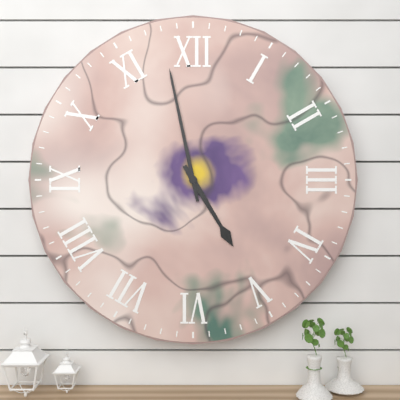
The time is 4:58
